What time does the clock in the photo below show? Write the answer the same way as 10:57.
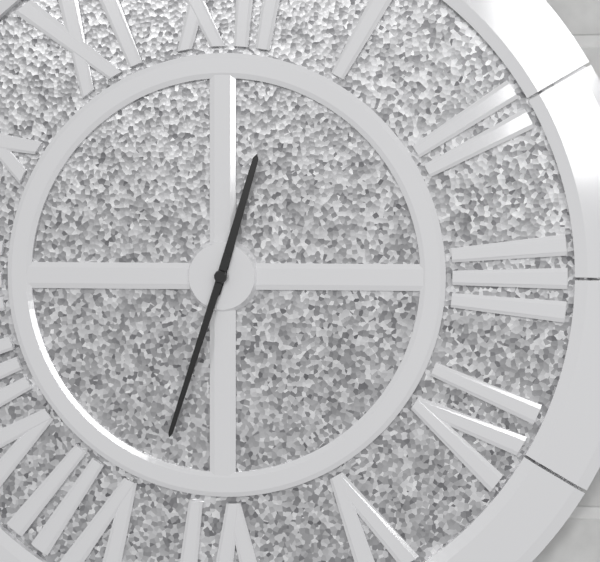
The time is 12:33
